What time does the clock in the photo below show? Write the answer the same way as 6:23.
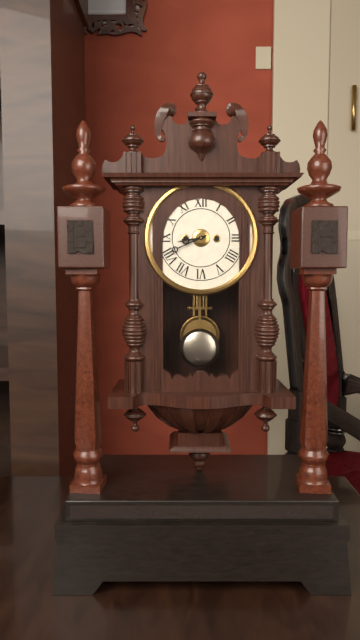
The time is 8:41
